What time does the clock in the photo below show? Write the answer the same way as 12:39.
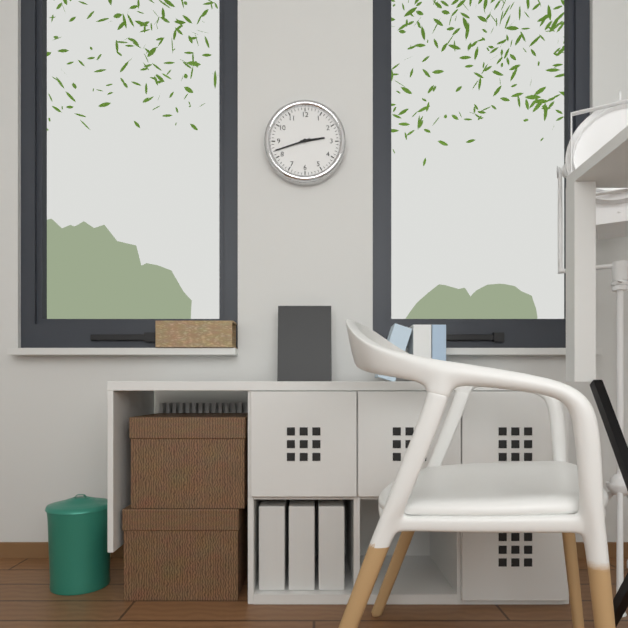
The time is 2:42
